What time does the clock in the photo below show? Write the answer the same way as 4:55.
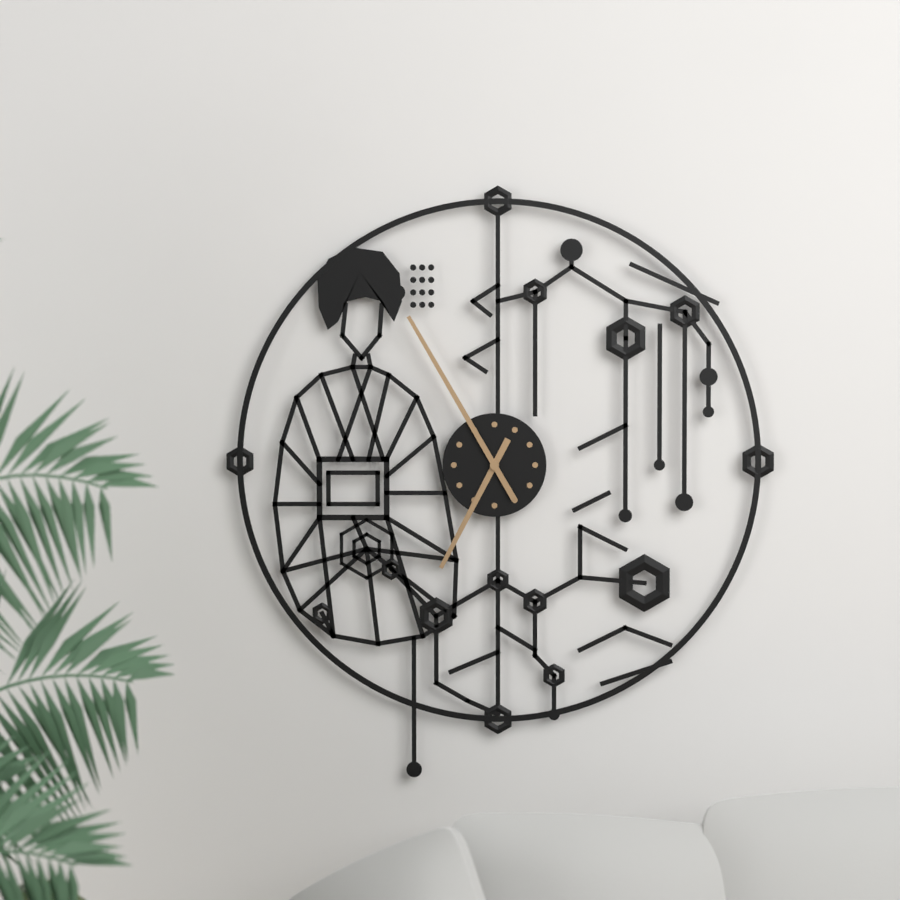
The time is 6:55
